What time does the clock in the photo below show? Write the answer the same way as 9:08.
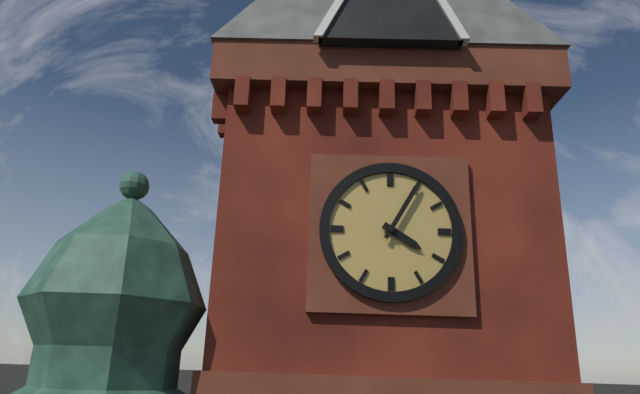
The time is 4:05
